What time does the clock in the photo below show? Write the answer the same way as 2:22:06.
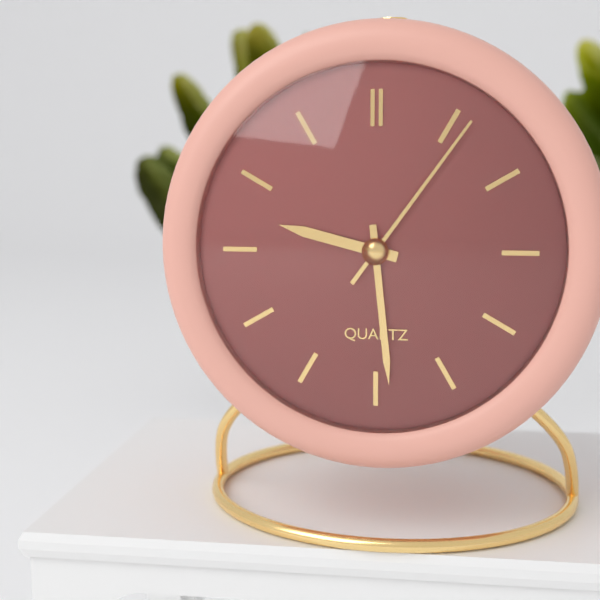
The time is 9:29:06
